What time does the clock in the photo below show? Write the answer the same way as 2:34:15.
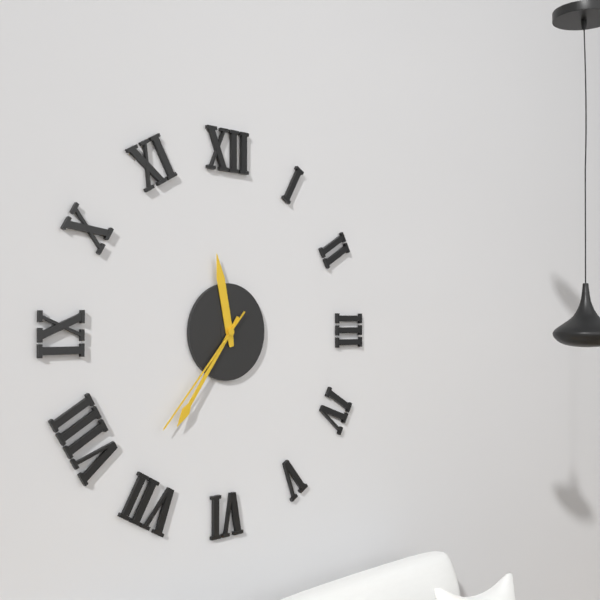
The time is 11:36:37
